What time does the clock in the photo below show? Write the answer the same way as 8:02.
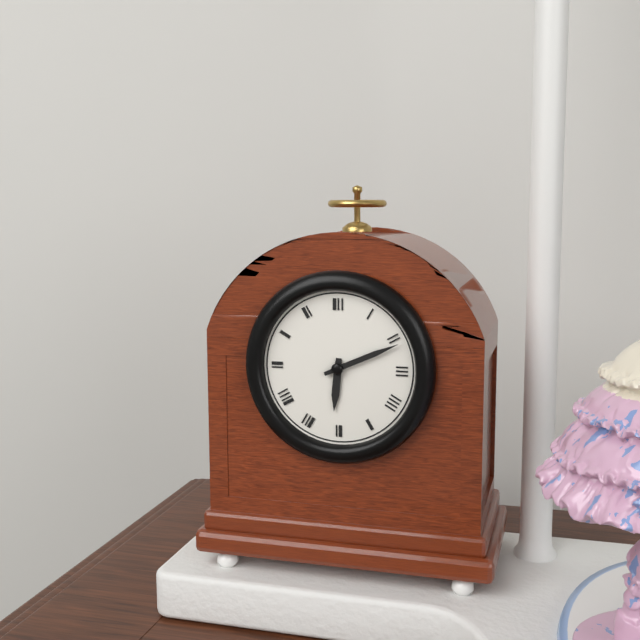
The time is 6:11
